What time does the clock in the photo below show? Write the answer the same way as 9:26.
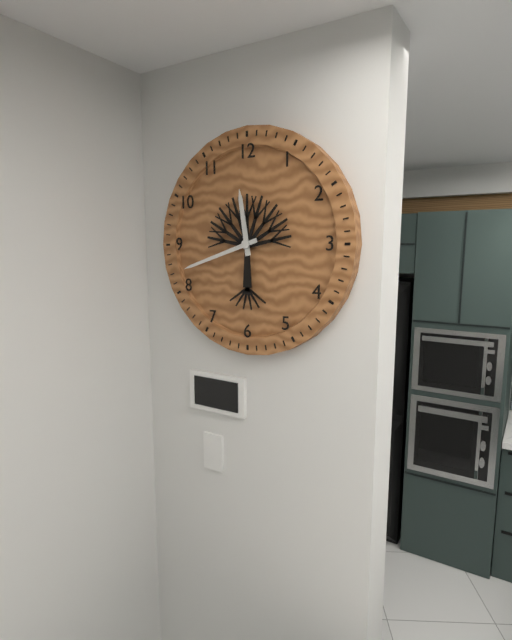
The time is 11:42
